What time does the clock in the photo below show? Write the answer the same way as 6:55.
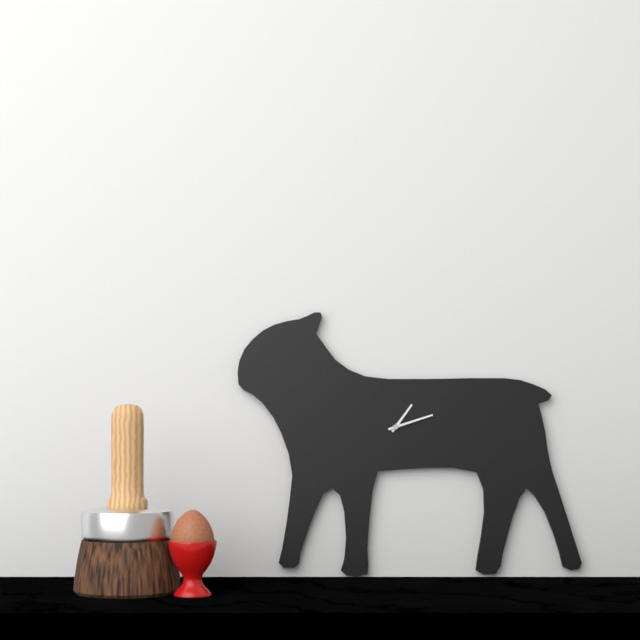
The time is 1:12
